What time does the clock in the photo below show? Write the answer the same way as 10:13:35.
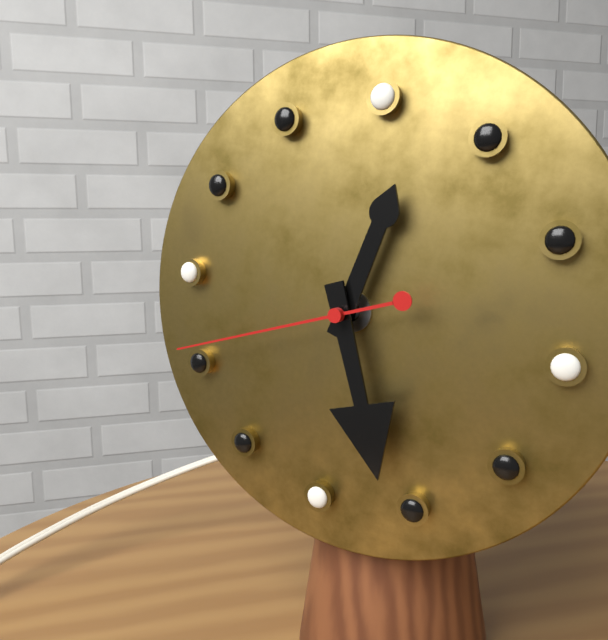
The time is 12:26:41
